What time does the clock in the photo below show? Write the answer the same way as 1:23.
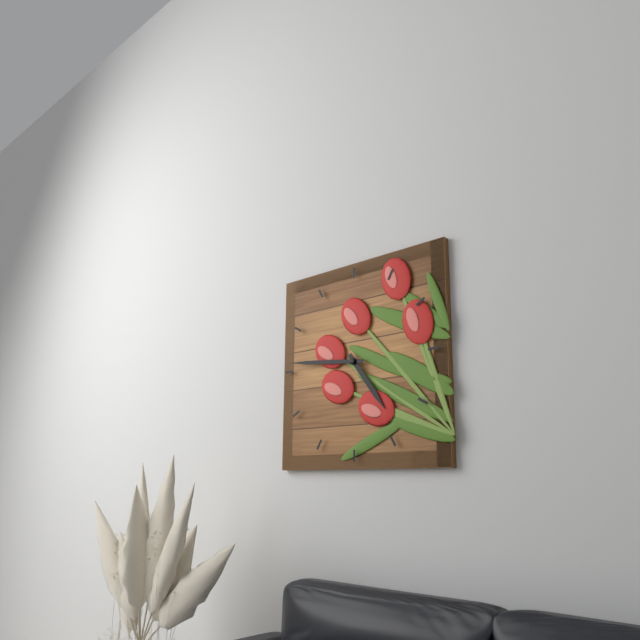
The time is 4:46
